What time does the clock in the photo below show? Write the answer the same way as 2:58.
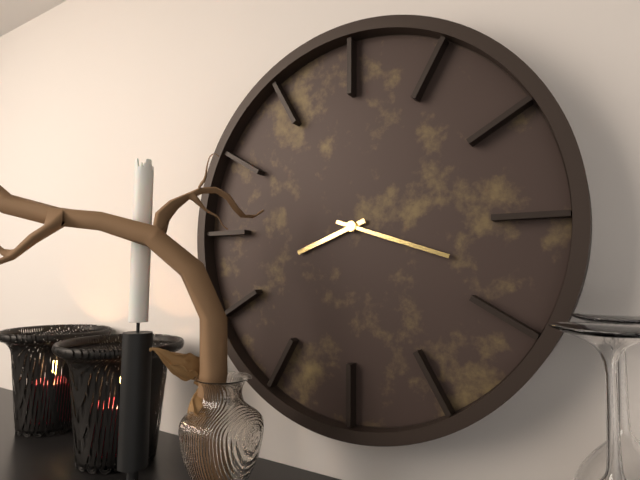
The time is 8:18
